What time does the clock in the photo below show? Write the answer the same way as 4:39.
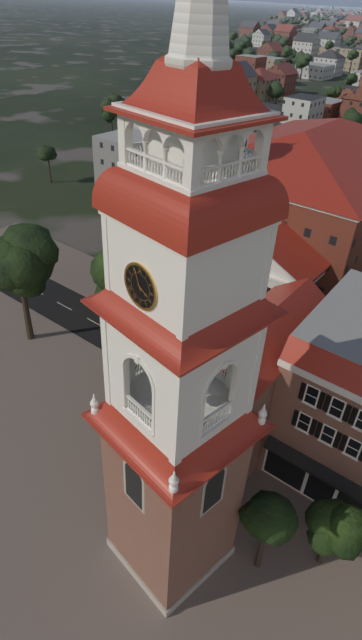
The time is 3:56
